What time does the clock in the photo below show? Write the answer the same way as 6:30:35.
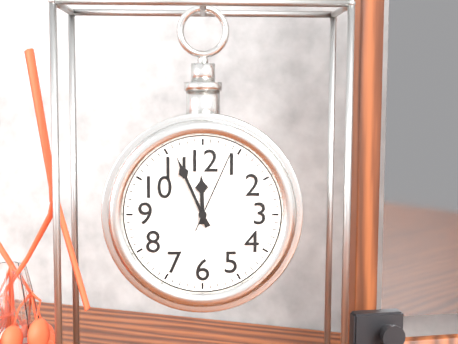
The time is 11:56:04
